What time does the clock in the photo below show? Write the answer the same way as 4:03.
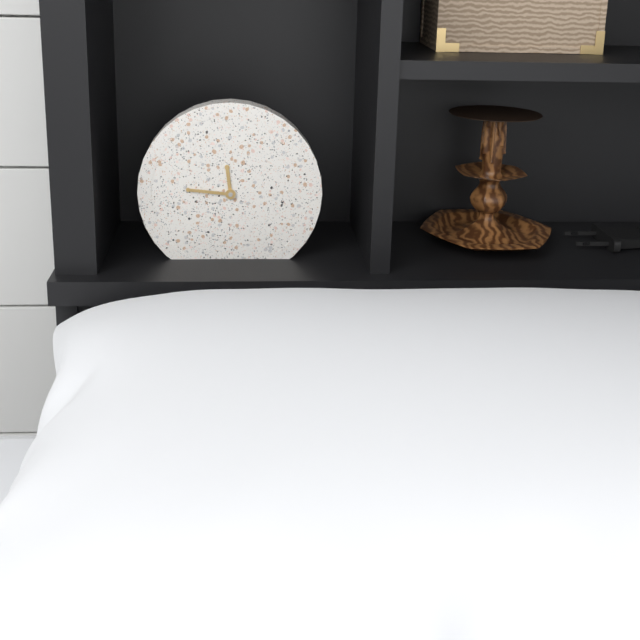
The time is 11:46
